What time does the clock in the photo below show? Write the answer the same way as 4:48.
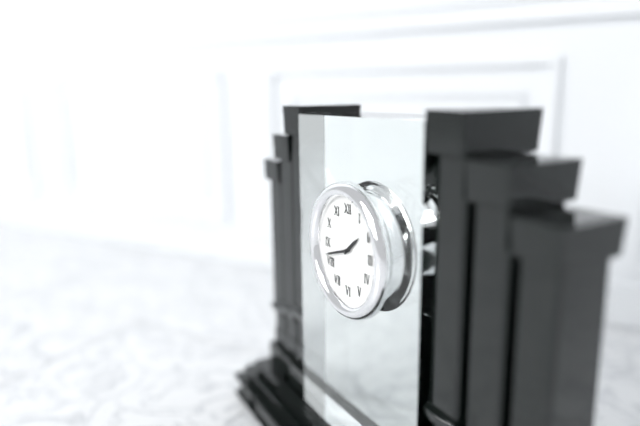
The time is 1:42
